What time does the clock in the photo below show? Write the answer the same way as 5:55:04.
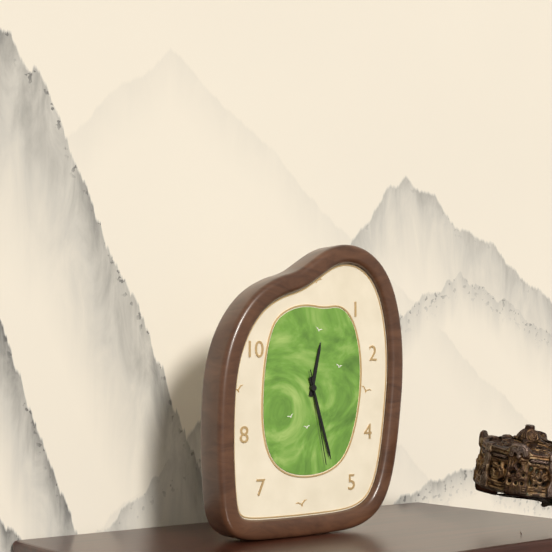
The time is 12:27:28
